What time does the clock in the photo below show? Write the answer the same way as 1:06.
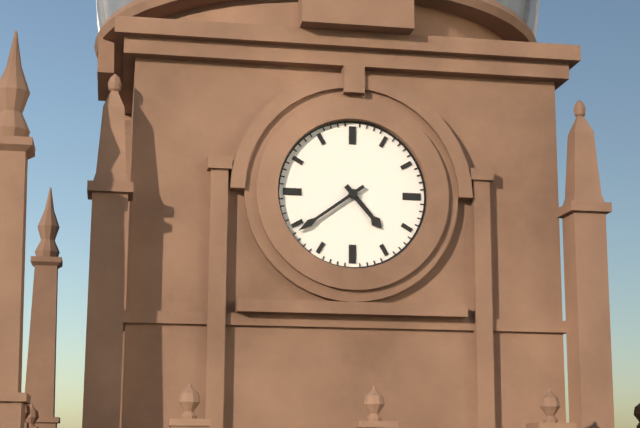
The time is 4:39
